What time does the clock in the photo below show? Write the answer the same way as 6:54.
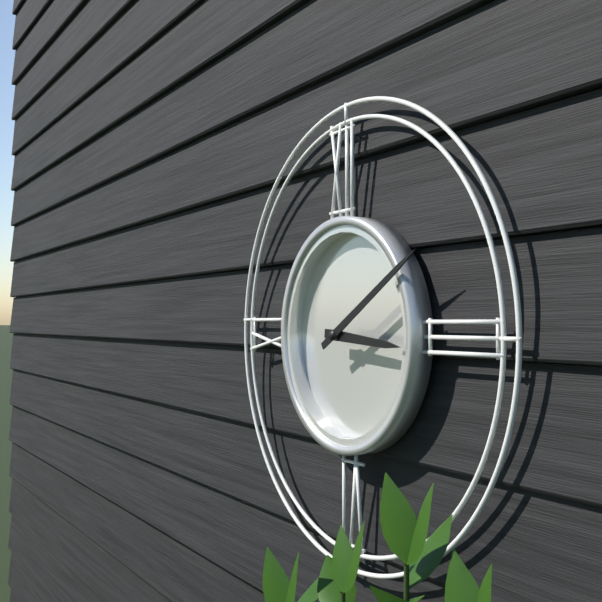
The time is 3:10
